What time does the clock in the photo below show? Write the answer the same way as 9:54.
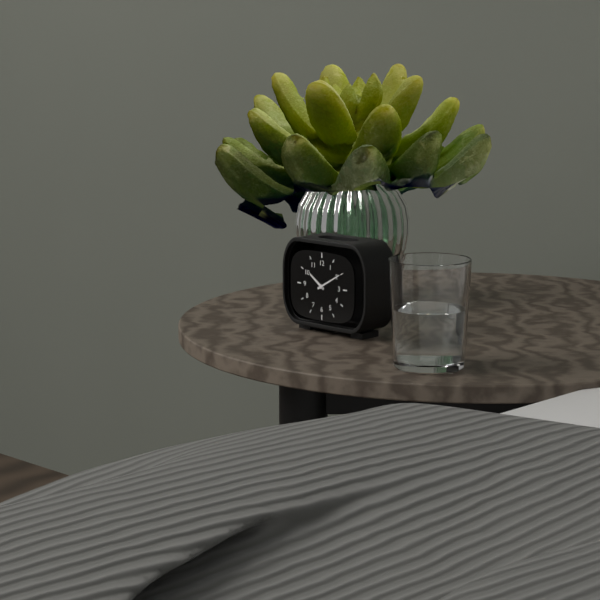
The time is 10:10
